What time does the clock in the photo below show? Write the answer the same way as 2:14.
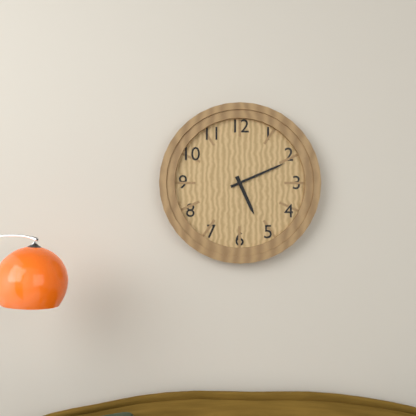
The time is 5:11
